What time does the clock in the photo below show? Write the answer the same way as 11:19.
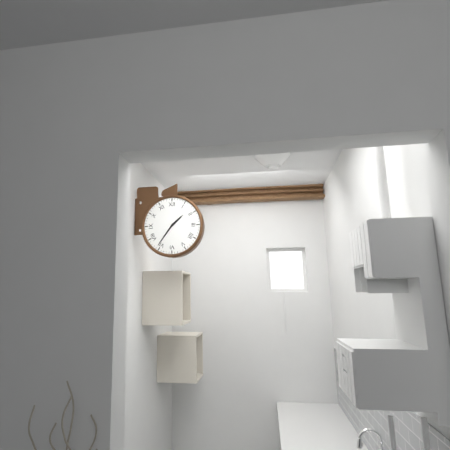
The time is 1:36
